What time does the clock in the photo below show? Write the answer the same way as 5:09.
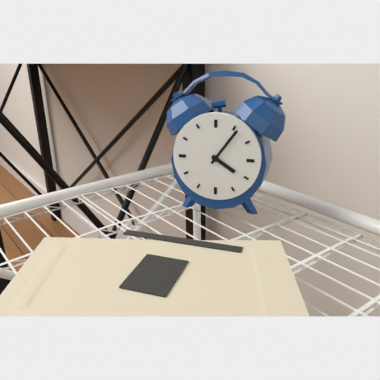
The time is 4:06
